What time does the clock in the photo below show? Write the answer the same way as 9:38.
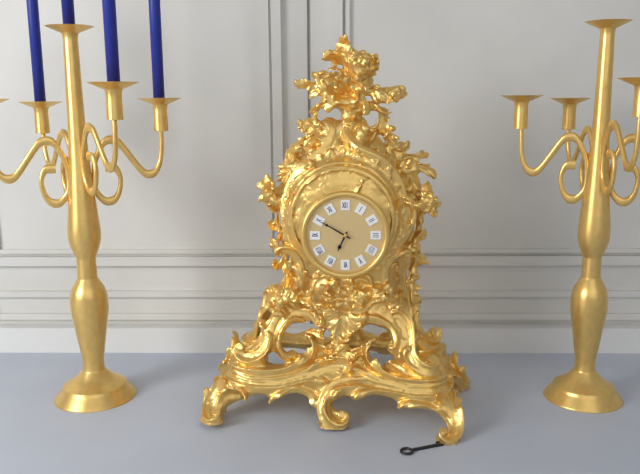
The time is 6:50
